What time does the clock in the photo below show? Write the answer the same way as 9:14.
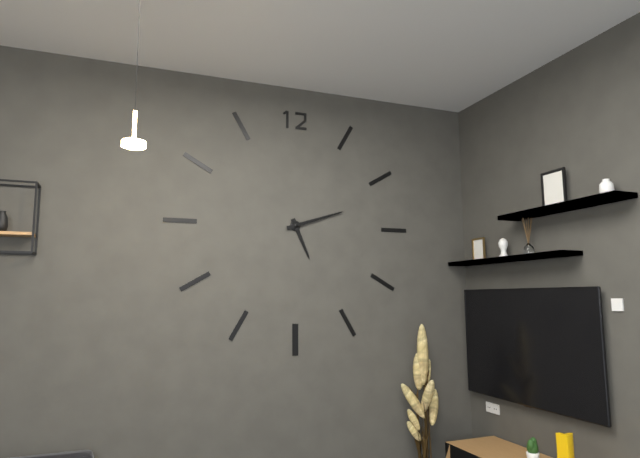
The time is 5:12
